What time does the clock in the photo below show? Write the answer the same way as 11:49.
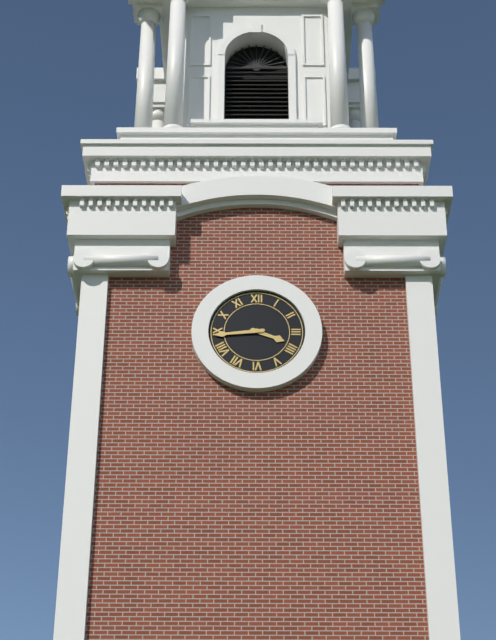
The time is 3:44
